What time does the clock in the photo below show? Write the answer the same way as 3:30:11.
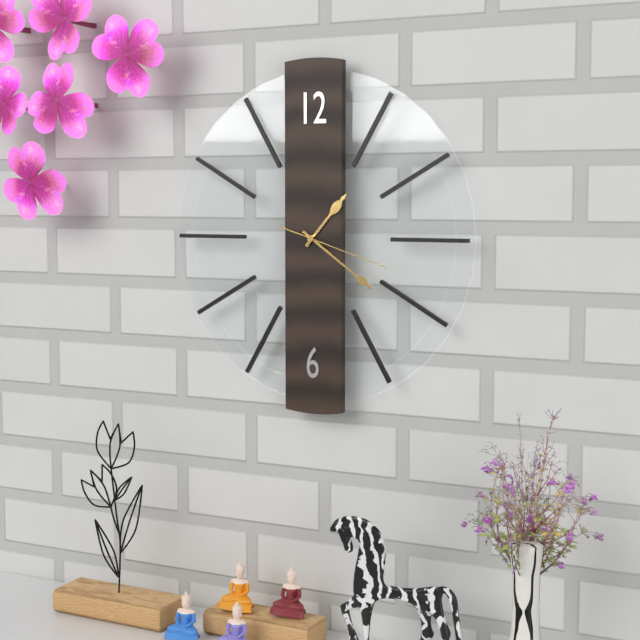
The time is 1:21:18
